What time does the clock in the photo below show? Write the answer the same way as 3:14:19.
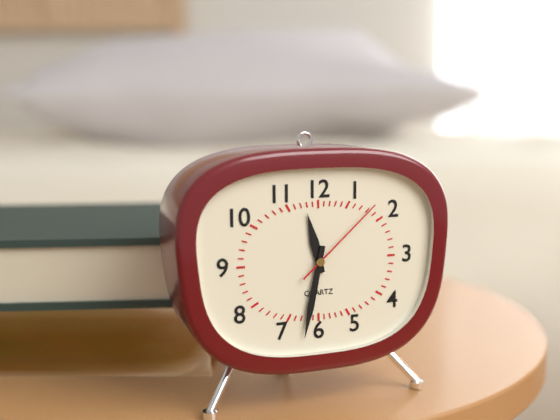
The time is 11:32:08
